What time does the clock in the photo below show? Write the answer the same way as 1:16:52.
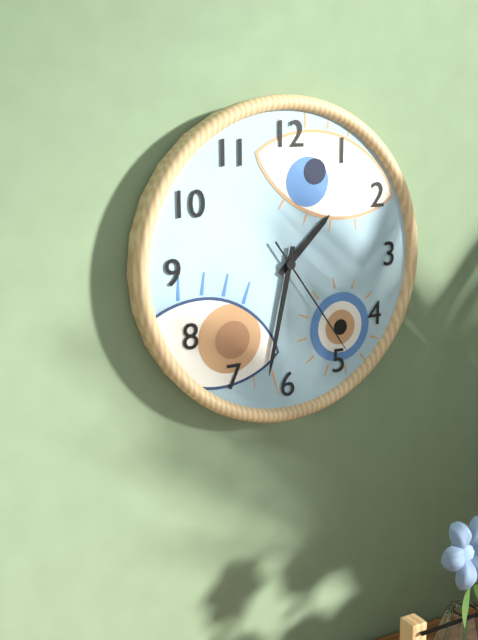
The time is 1:32:24
